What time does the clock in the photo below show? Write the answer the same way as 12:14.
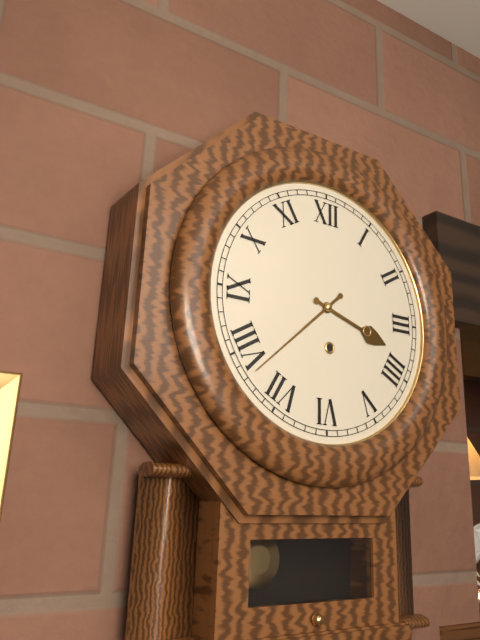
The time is 3:38
